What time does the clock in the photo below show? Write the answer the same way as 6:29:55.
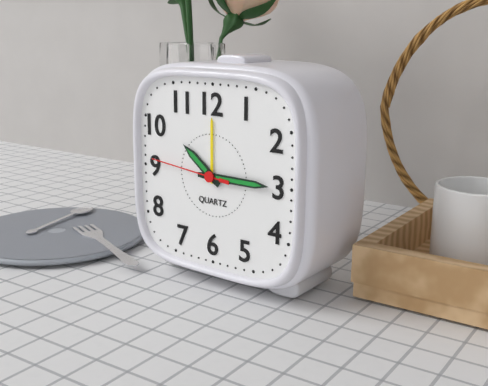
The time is 10:15:46
